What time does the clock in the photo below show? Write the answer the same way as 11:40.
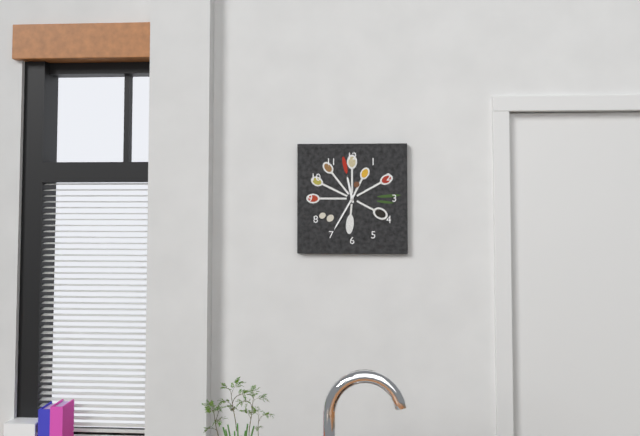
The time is 11:35
